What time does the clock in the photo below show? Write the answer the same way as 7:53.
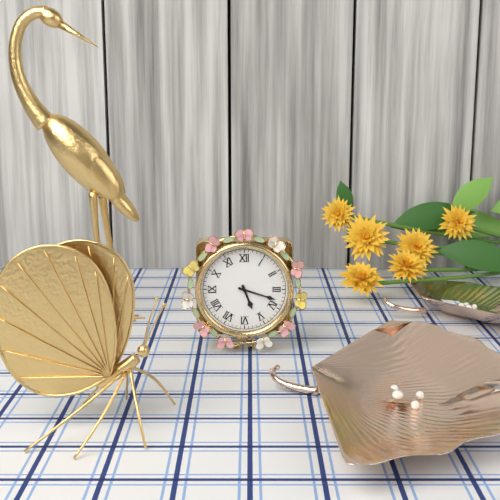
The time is 5:18
